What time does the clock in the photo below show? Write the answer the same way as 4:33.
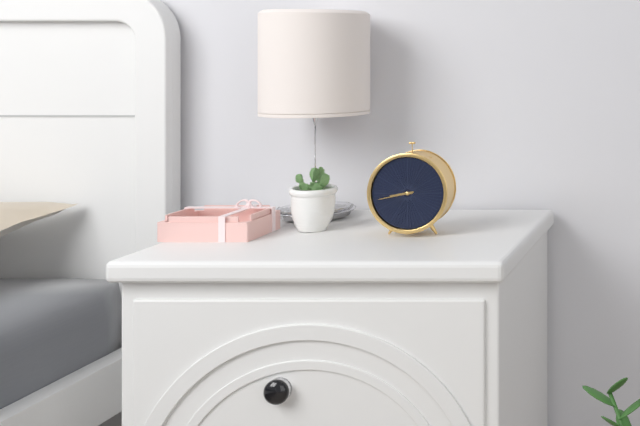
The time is 8:43
